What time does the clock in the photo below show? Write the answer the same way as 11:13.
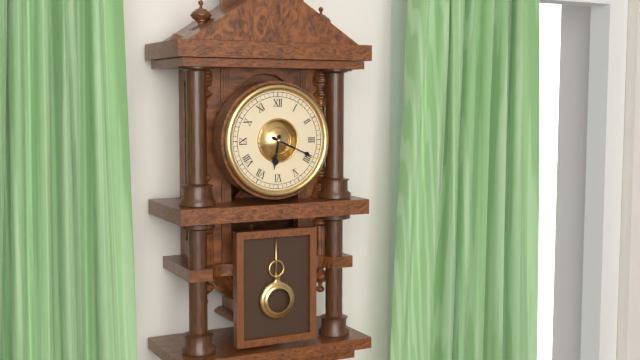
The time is 6:19
